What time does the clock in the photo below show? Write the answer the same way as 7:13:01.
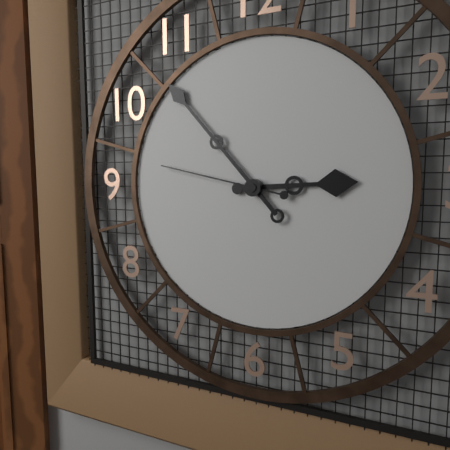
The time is 2:53:47
